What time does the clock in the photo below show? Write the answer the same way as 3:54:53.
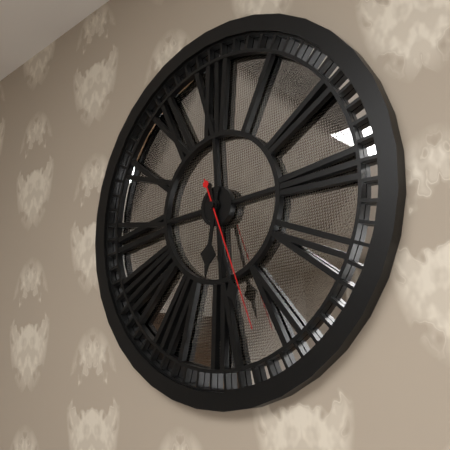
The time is 6:28:27
